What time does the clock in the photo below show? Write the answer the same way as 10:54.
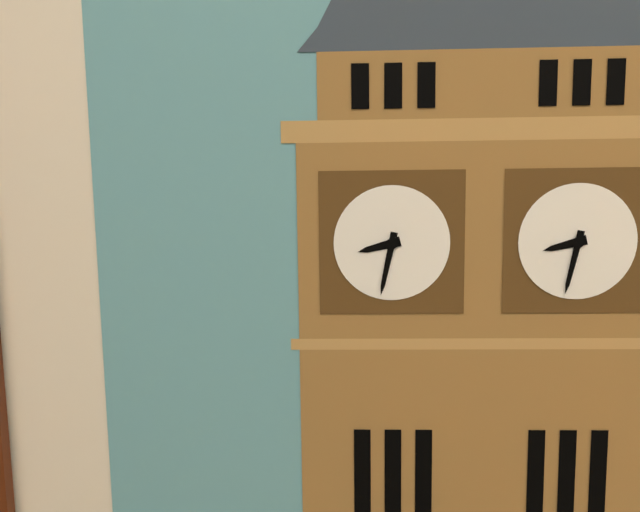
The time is 8:32
